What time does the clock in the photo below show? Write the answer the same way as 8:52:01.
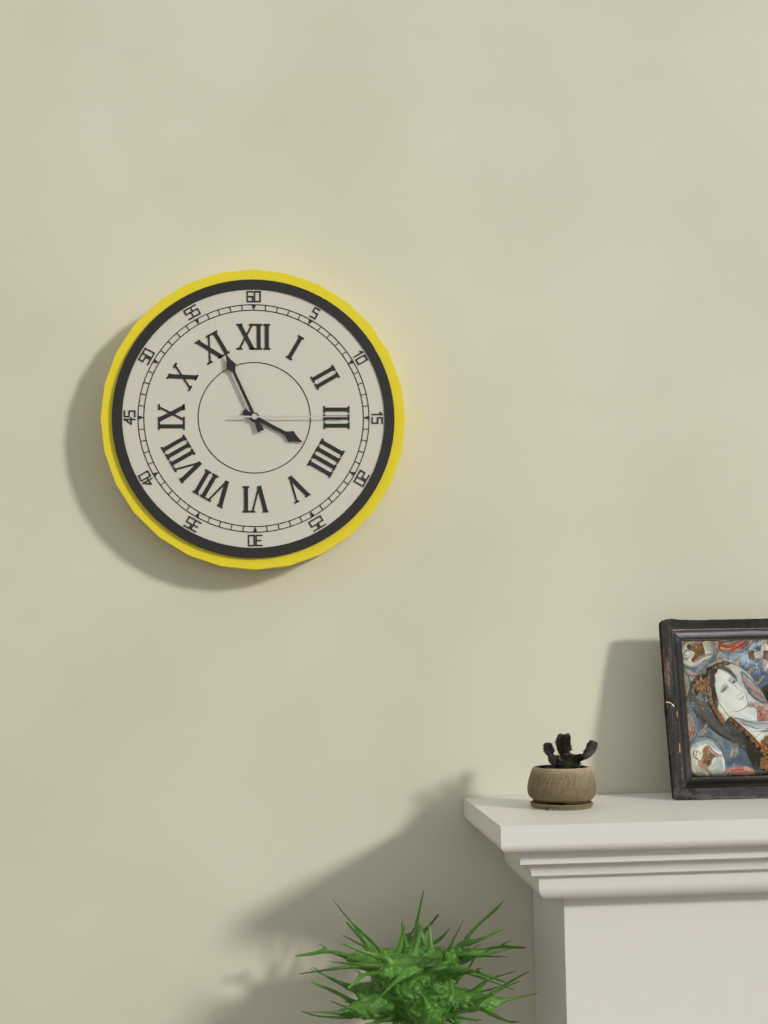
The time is 3:56:15
